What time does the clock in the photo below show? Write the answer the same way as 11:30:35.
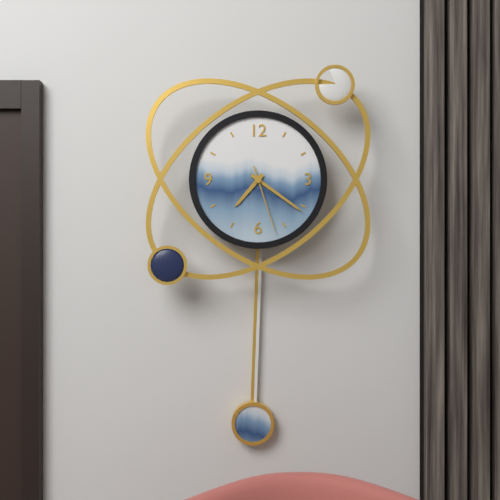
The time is 7:21:27
